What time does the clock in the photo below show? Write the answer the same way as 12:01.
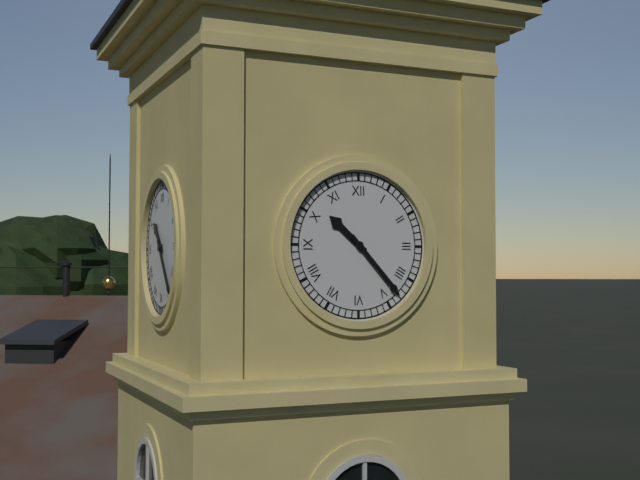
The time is 10:23
